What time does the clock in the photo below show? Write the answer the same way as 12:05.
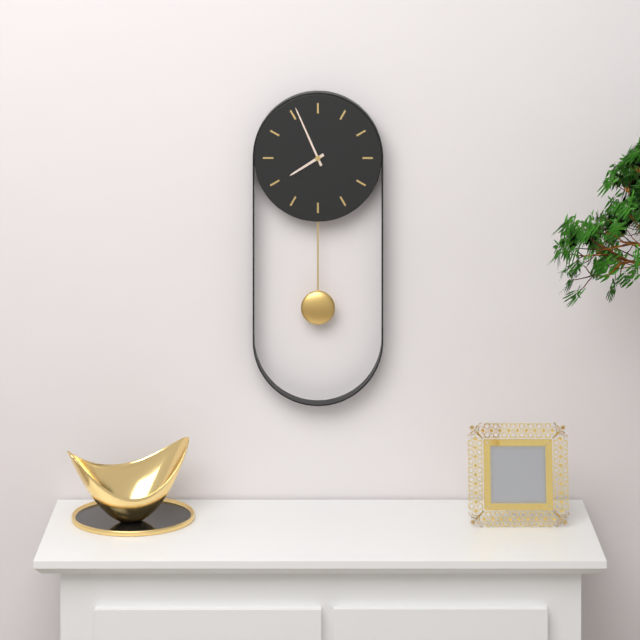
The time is 7:56
